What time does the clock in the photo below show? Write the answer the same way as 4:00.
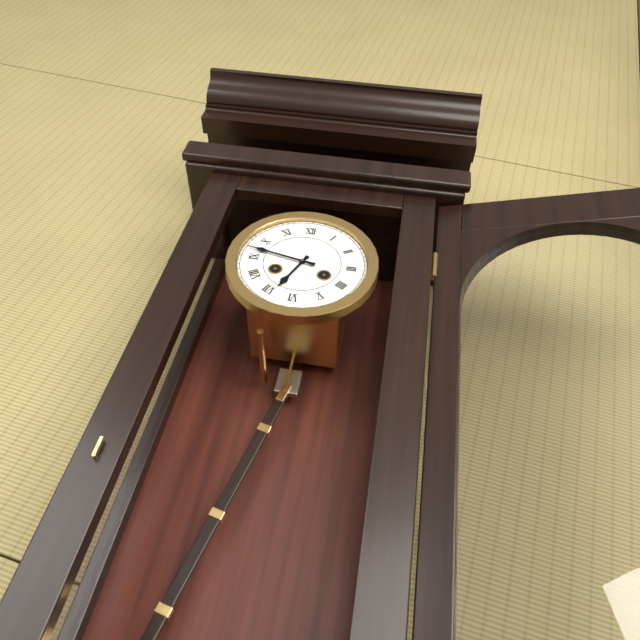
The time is 6:47
